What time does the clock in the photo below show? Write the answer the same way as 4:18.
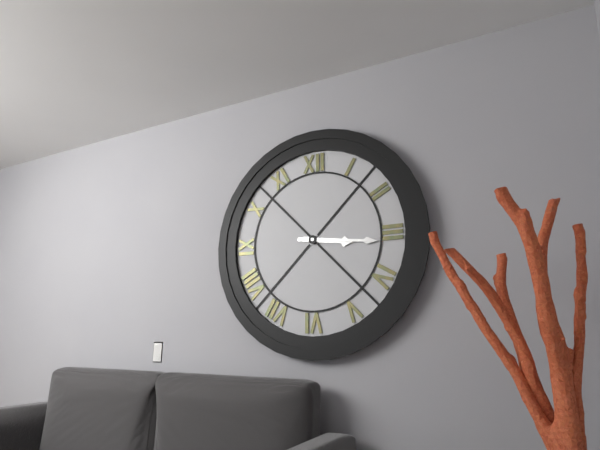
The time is 3:16
